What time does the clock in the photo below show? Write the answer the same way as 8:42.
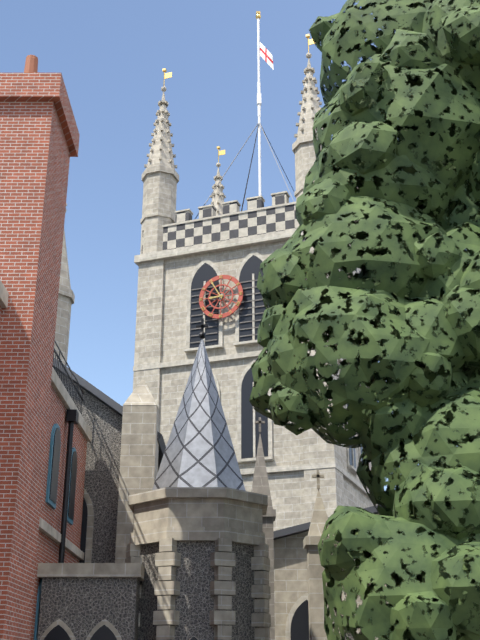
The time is 8:55
